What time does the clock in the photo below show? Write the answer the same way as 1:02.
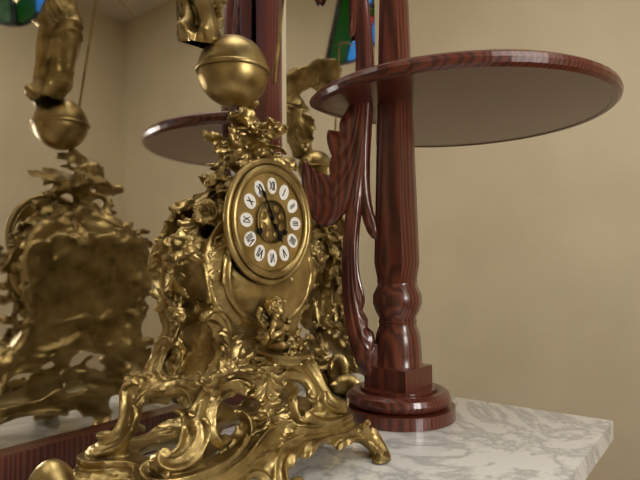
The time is 4:55
